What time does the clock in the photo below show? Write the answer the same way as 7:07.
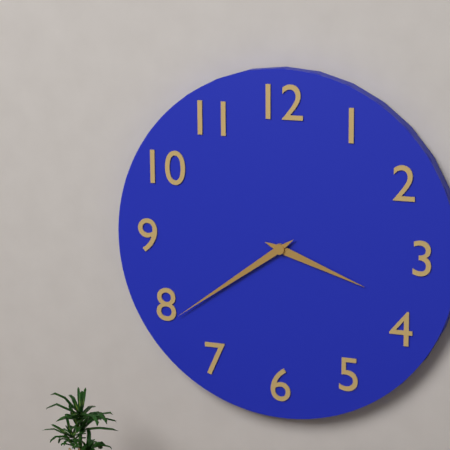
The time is 3:39
